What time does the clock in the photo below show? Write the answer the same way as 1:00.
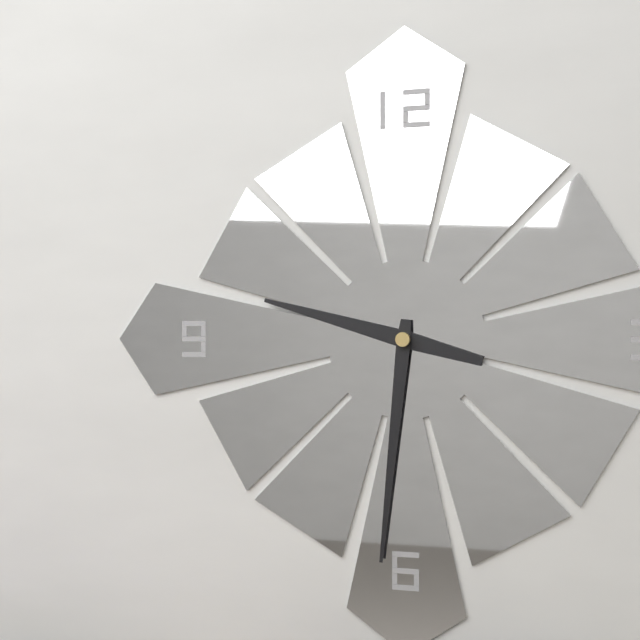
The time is 9:31
